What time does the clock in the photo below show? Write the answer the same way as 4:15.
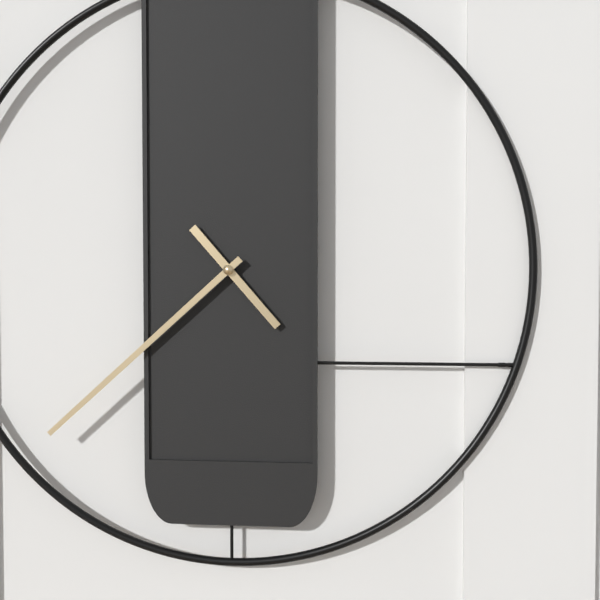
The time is 4:38
